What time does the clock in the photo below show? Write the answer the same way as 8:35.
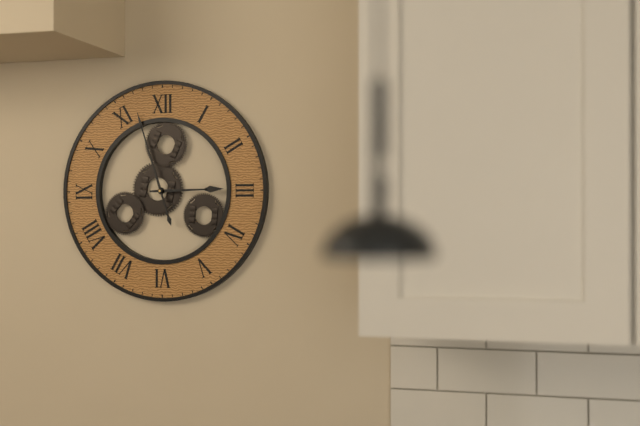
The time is 2:57
